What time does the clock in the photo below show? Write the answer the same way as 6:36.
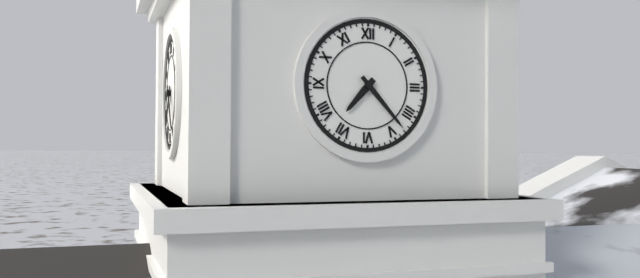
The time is 7:23
